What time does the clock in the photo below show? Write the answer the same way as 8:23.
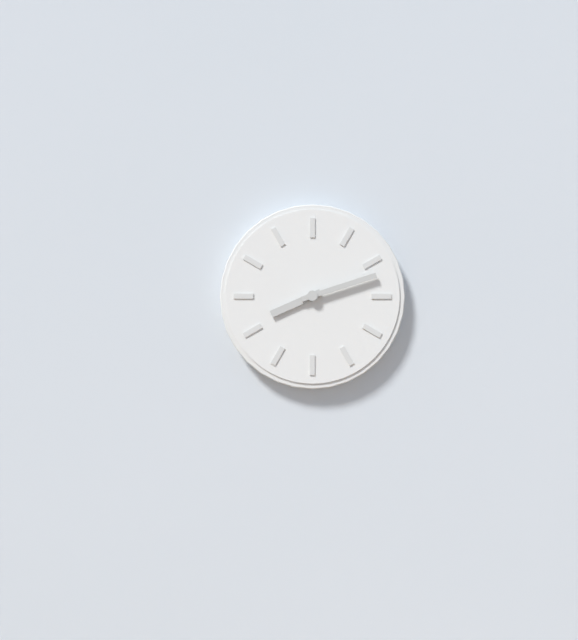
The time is 8:12
